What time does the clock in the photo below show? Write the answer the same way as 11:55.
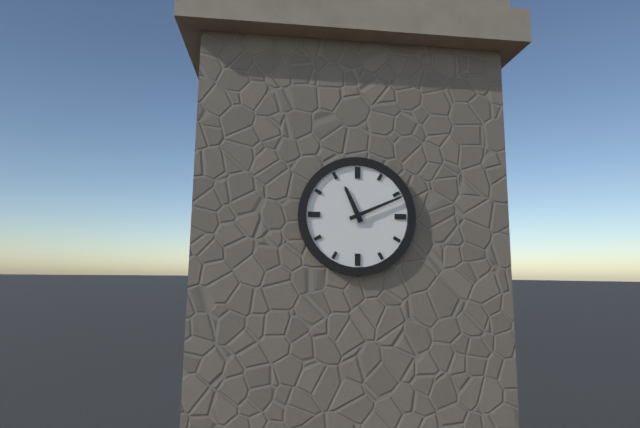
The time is 11:11
